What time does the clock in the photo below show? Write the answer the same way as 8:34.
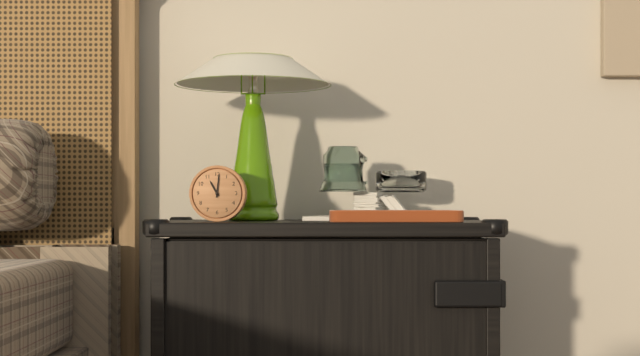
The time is 11:01
